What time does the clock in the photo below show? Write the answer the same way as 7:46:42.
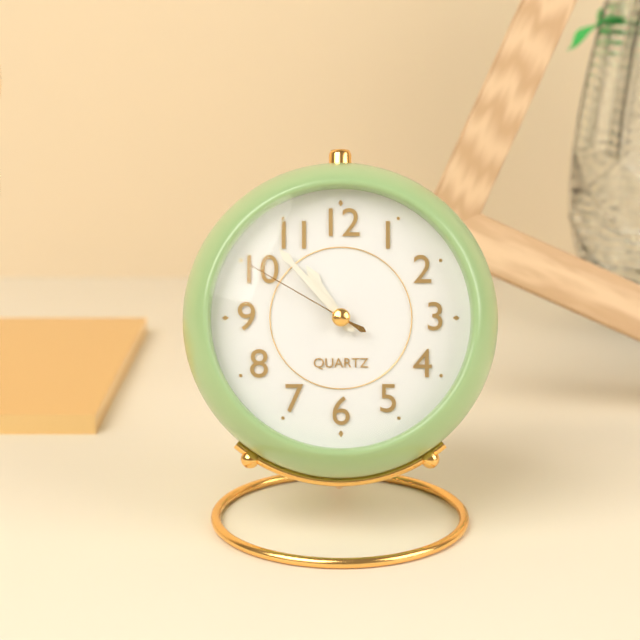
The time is 10:53:50
